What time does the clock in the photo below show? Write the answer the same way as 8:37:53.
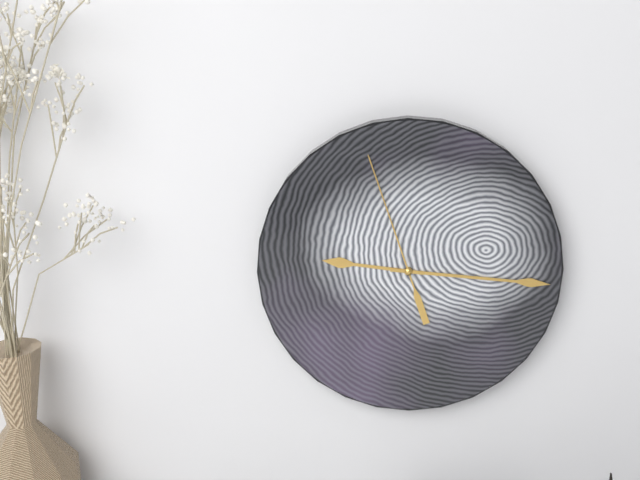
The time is 9:16:57
